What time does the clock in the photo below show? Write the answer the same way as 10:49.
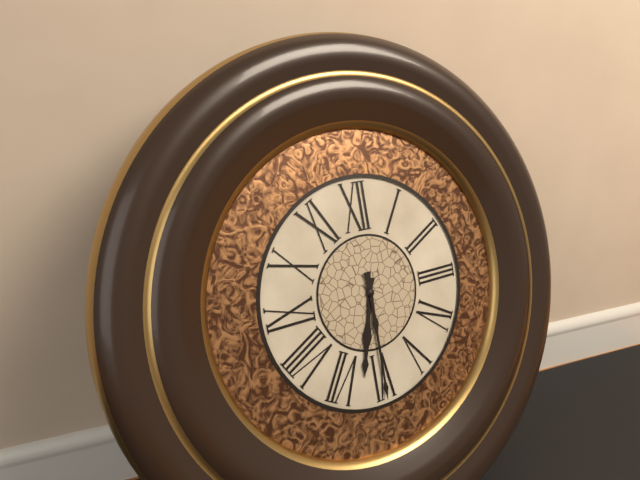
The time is 6:30
